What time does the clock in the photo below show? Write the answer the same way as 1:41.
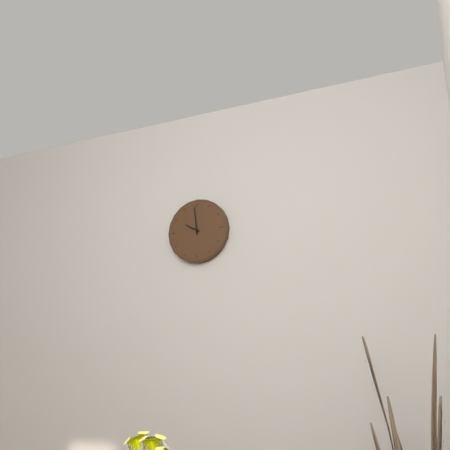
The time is 9:59
